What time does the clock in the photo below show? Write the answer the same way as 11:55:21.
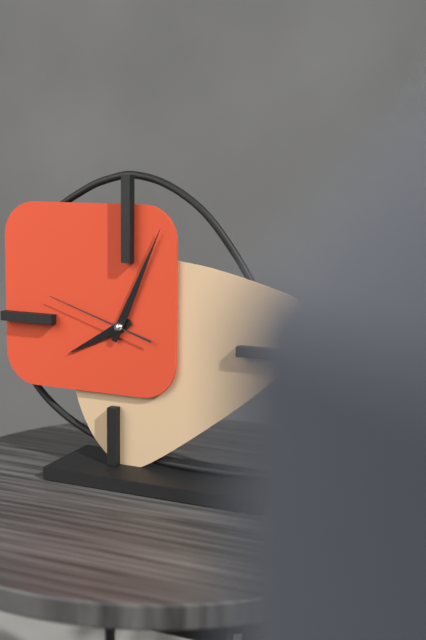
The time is 8:04:48
